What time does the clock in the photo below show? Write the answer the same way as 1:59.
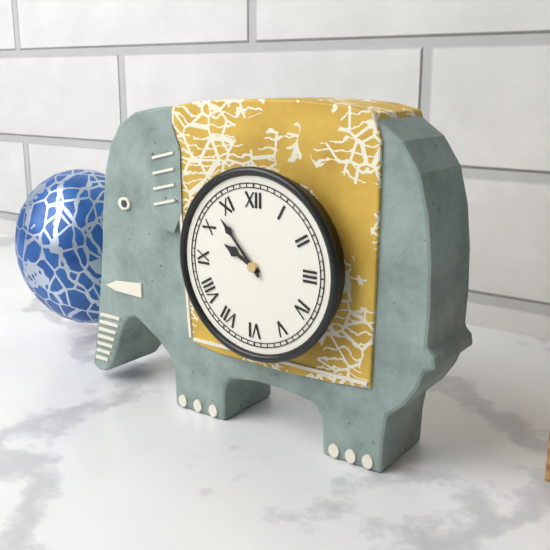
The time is 9:53
